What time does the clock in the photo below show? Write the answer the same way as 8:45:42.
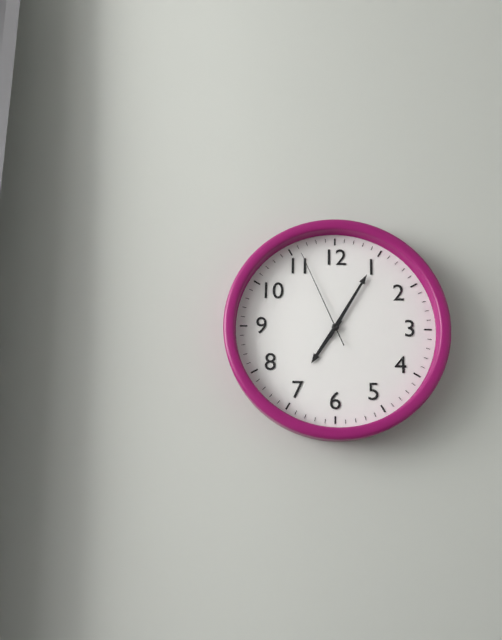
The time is 7:05:56
